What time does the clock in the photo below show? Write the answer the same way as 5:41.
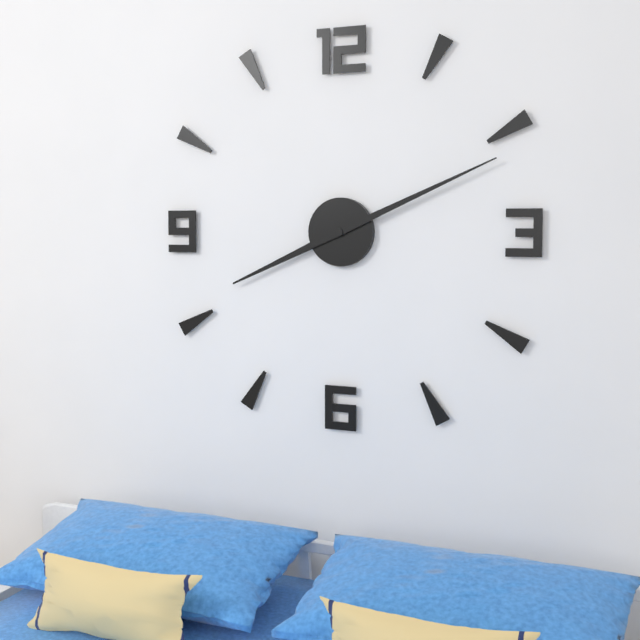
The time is 8:11
